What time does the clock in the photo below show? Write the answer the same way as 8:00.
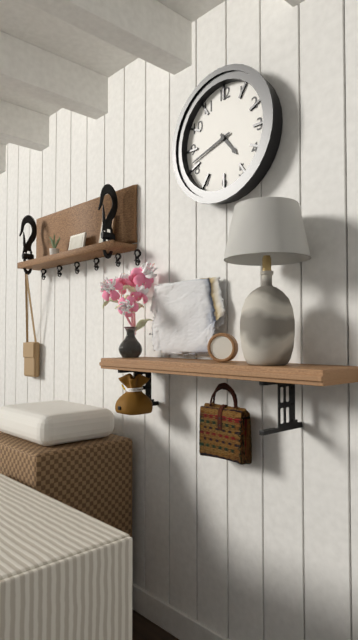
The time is 4:42
